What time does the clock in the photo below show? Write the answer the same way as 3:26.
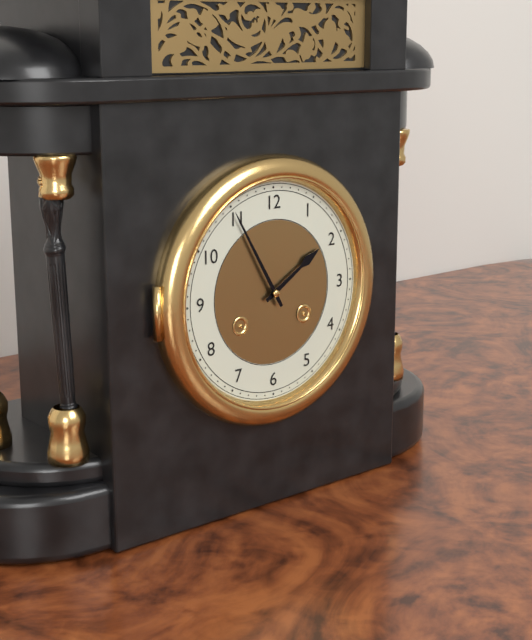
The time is 1:55
